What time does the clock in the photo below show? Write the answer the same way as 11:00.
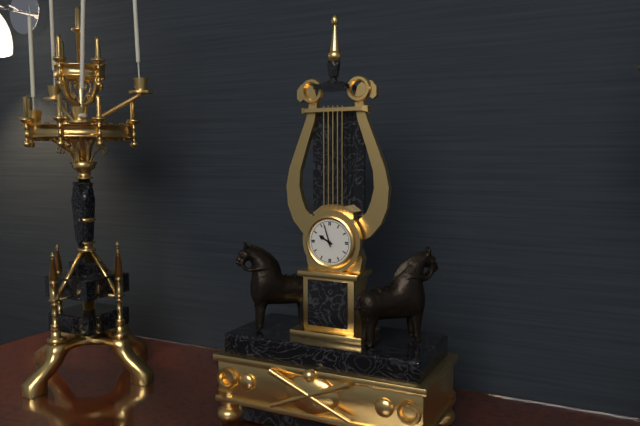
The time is 9:57
